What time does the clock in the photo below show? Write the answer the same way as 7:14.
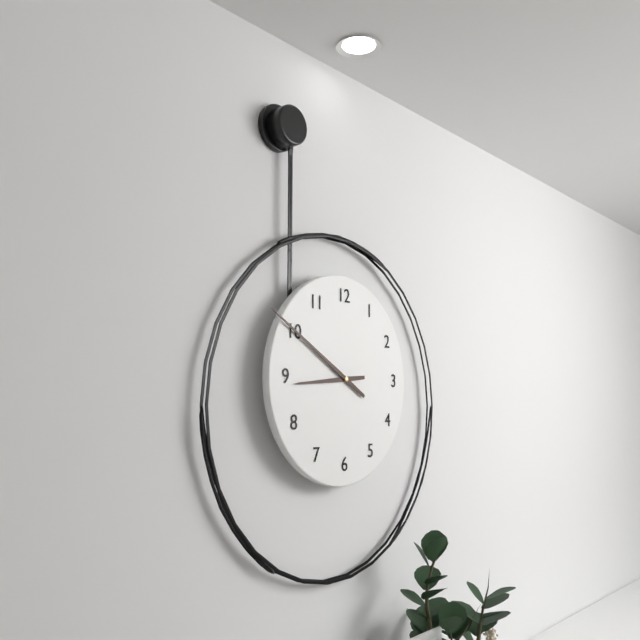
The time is 8:50
